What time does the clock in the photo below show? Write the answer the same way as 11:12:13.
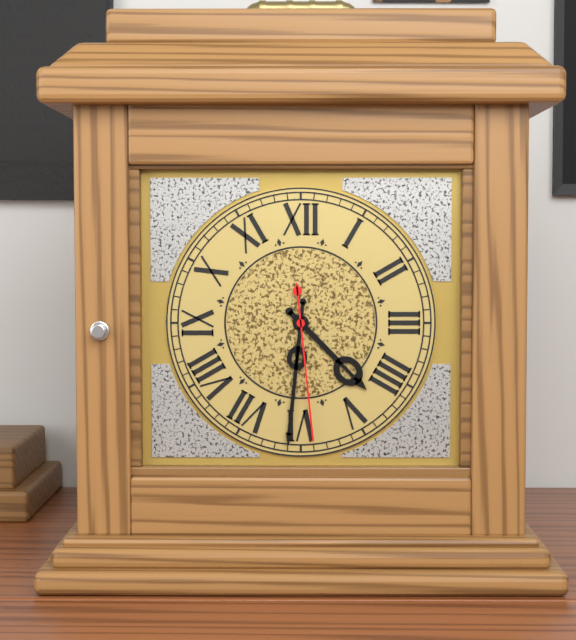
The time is 4:31:29
